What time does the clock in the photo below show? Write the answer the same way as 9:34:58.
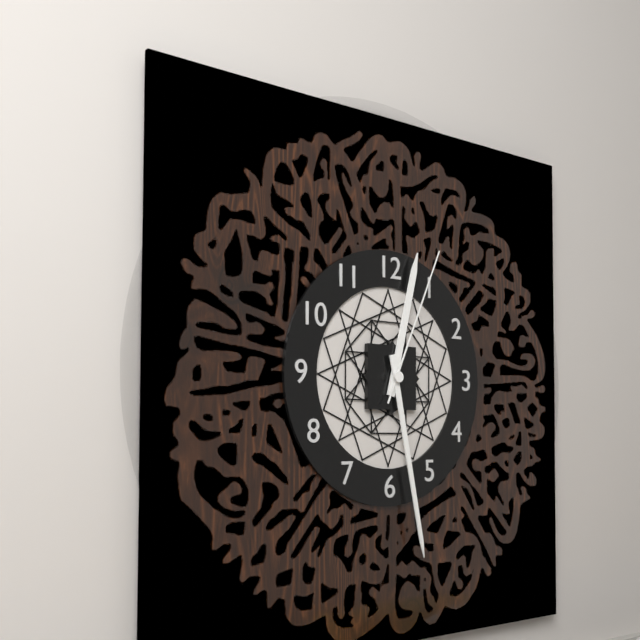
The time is 12:28:04
